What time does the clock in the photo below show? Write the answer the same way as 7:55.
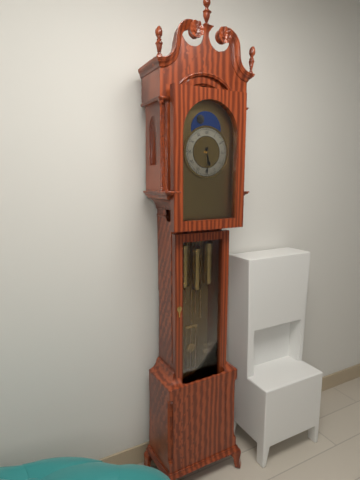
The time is 5:30
